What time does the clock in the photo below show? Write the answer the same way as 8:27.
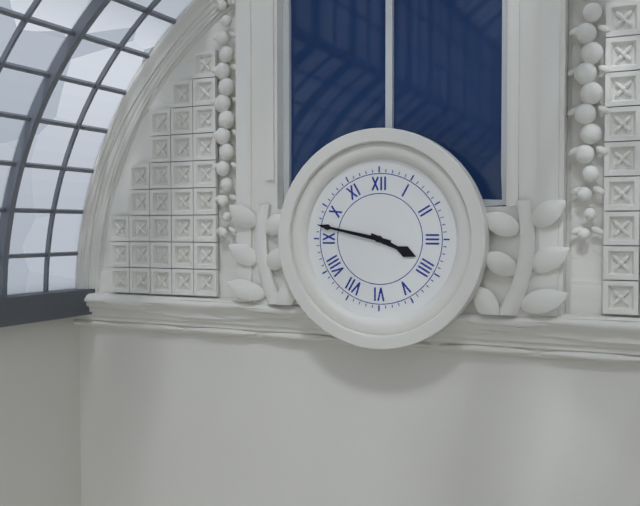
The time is 3:47
